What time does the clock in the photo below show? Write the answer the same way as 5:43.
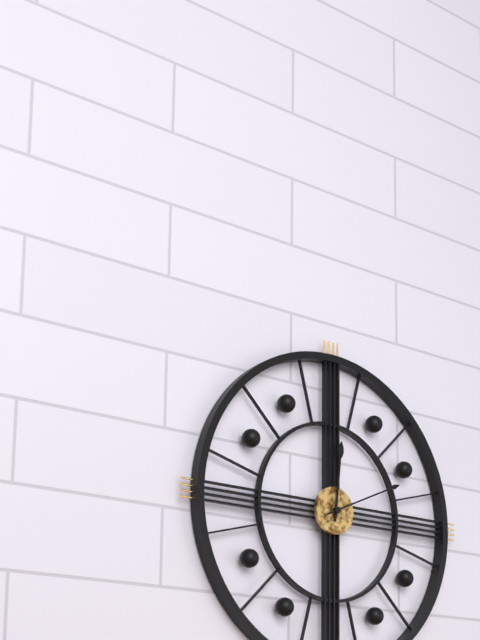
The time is 12:11
